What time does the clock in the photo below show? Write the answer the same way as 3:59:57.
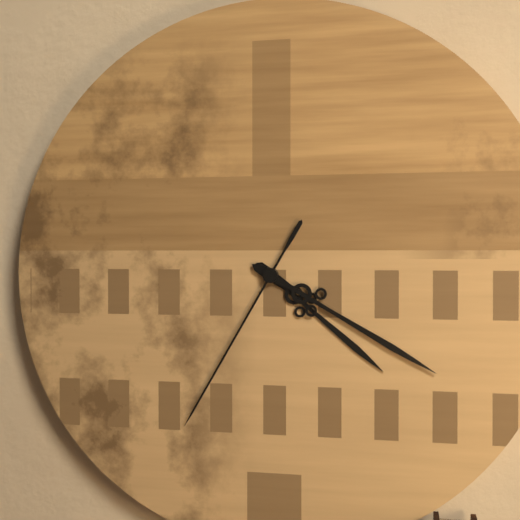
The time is 4:20:35
